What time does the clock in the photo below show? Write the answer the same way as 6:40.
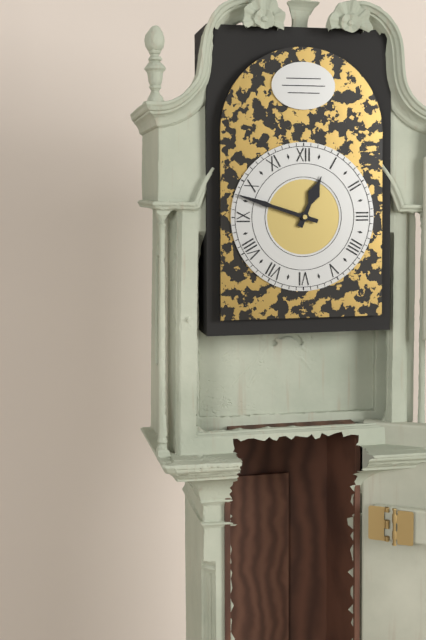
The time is 12:48
